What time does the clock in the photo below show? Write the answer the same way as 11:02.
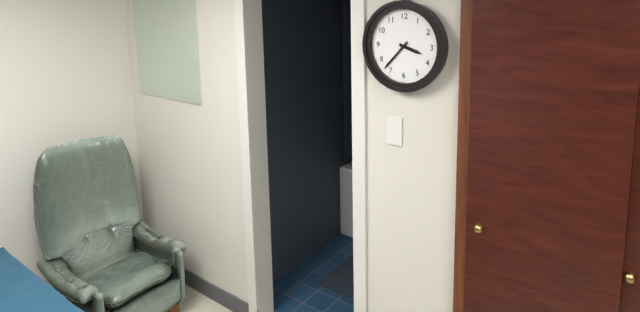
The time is 3:37
